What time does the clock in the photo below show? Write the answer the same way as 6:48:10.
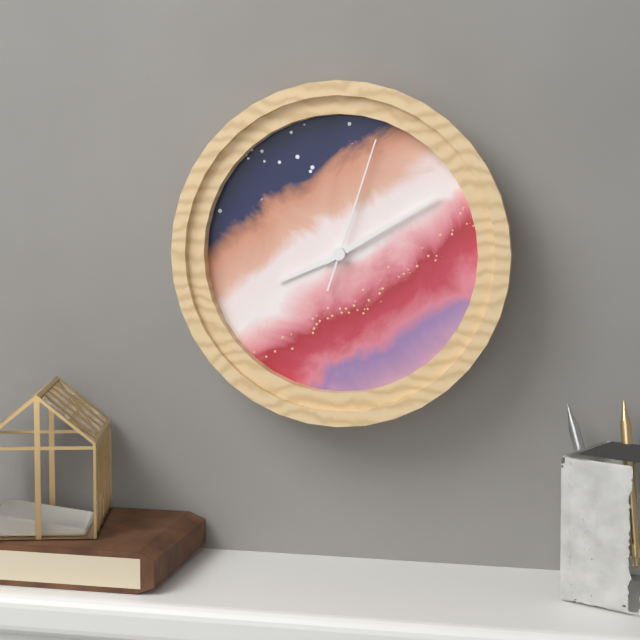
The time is 8:10:03
